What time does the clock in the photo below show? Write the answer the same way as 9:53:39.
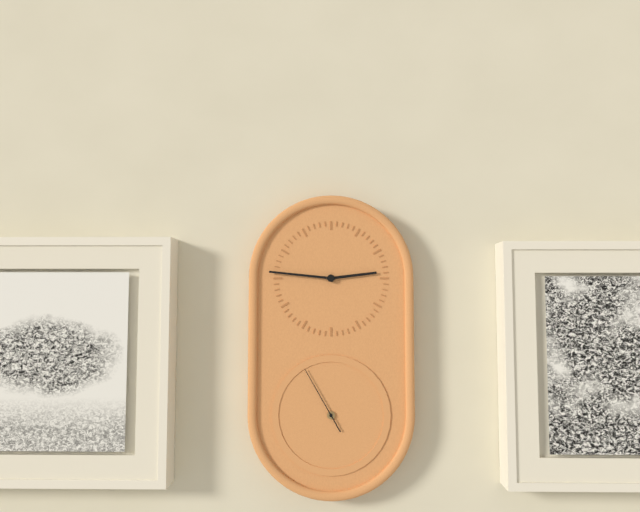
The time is 2:46:55
